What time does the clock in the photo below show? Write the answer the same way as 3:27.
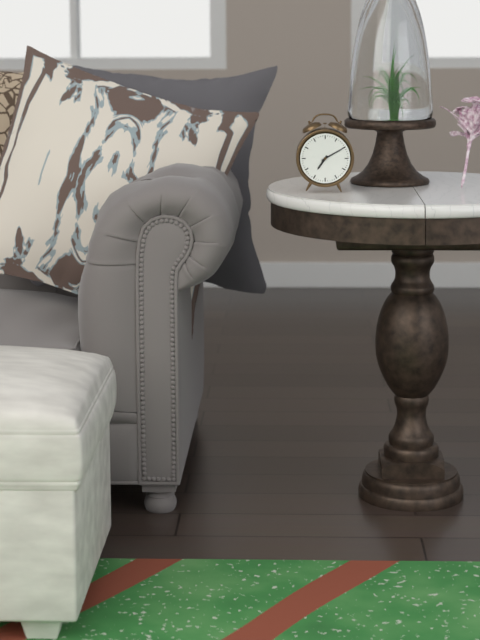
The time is 7:10
